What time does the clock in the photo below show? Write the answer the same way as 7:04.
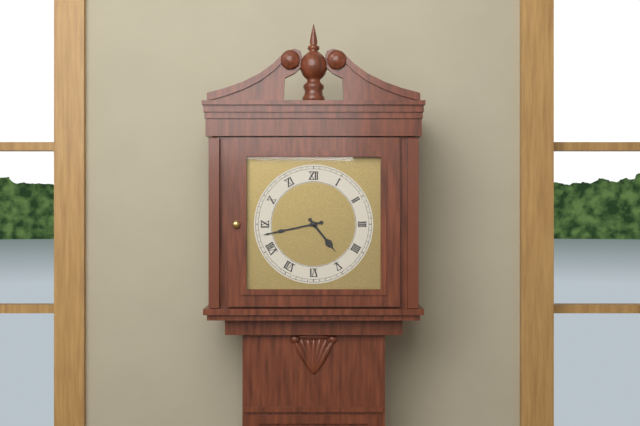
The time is 4:43
